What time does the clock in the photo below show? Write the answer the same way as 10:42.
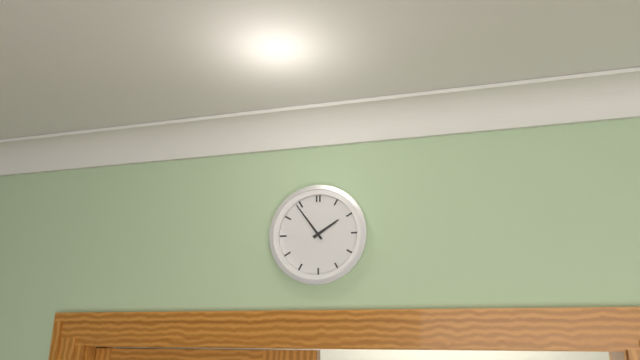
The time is 1:54
